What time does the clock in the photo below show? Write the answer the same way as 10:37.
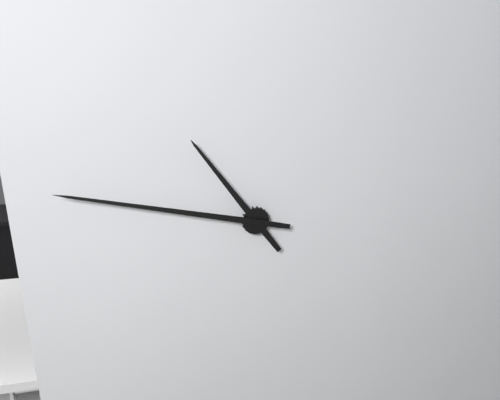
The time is 10:47
